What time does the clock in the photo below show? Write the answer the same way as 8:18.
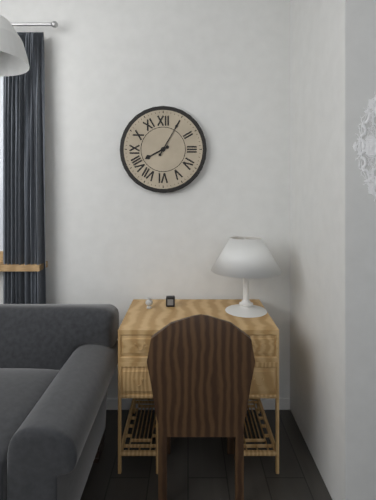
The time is 8:05
